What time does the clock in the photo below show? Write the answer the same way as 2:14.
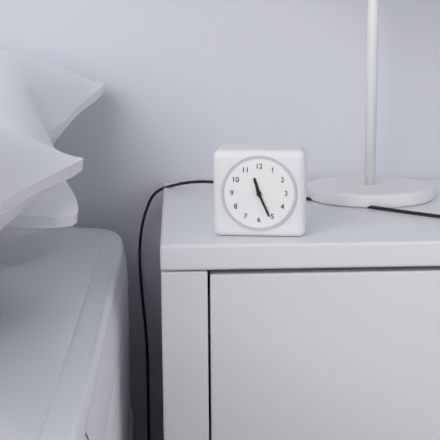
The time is 11:26
